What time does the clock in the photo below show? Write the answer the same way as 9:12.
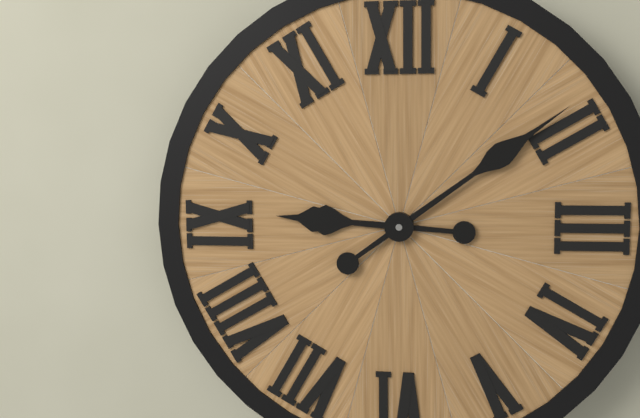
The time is 9:09
